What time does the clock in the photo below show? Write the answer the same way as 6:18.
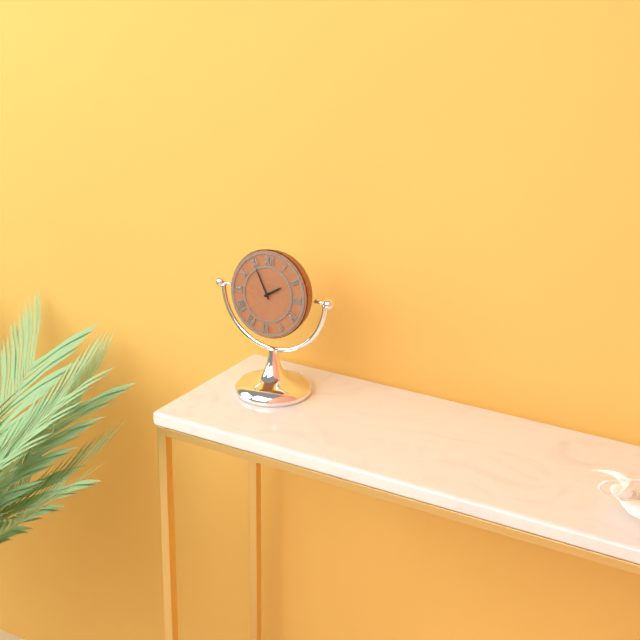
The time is 1:55
